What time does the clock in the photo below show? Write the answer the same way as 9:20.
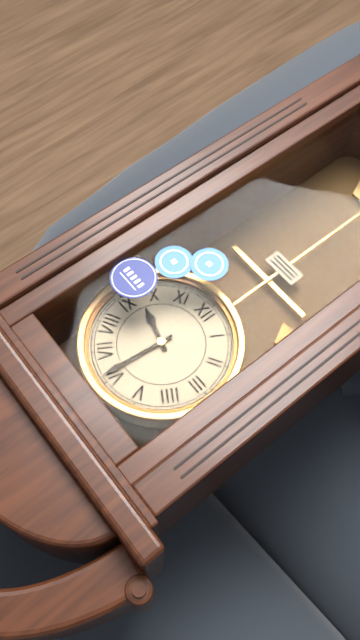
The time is 9:31
